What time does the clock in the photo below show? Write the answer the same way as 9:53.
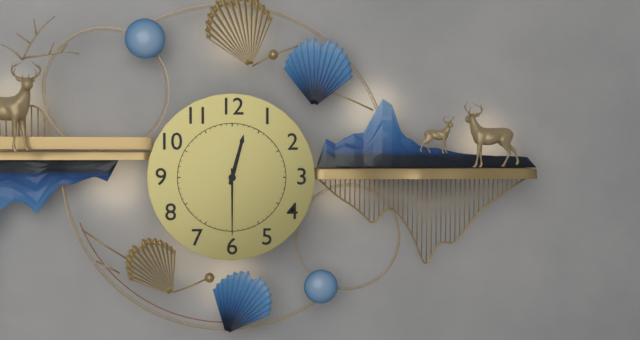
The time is 12:30
